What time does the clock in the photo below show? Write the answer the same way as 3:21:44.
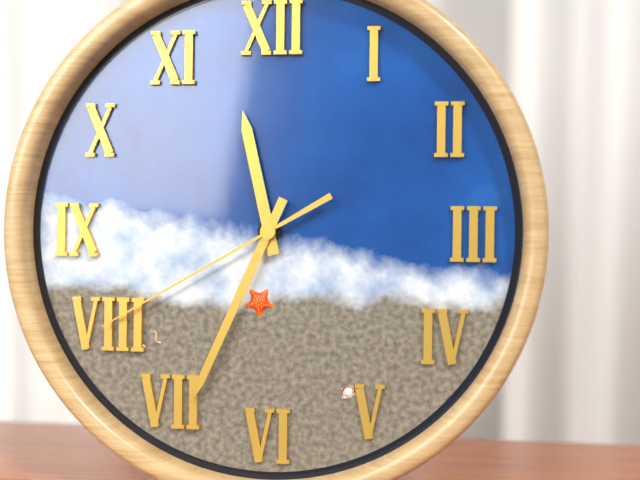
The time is 11:34:40
